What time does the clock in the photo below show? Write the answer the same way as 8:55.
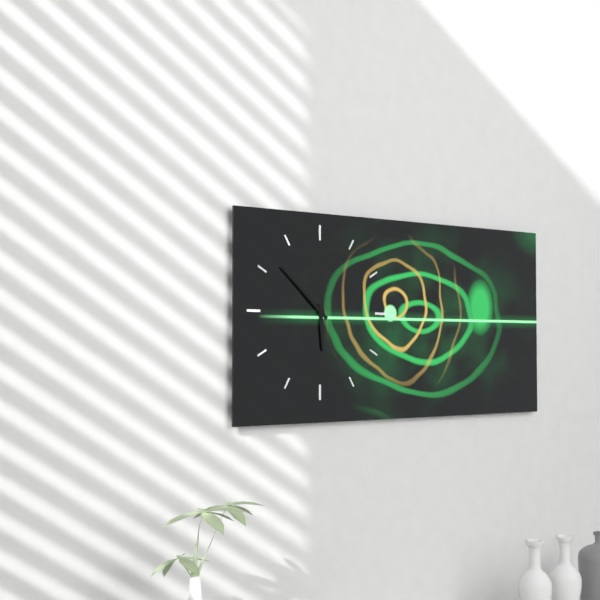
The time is 5:52
